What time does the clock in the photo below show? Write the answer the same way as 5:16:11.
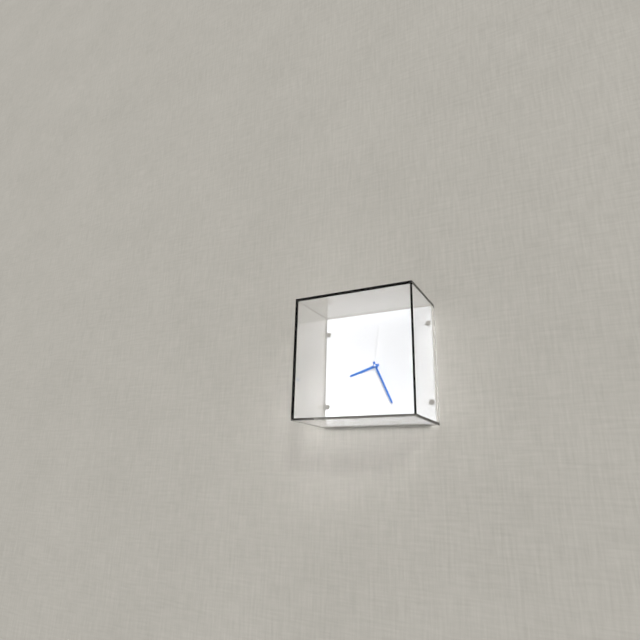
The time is 8:26:01
